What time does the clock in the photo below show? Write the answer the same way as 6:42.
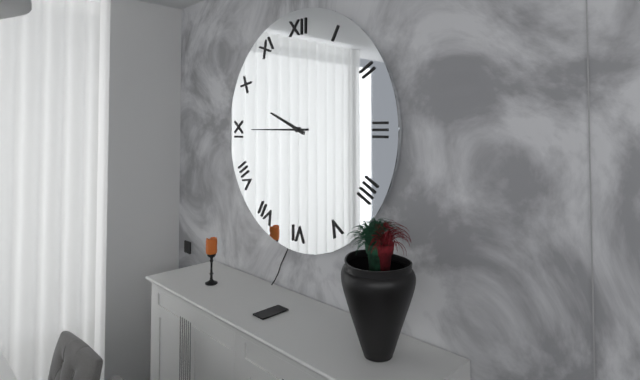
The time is 9:45
